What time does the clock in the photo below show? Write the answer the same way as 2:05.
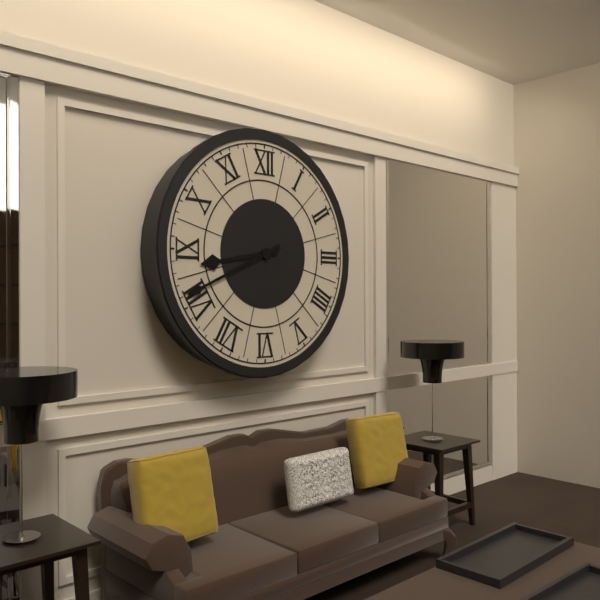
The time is 8:41
